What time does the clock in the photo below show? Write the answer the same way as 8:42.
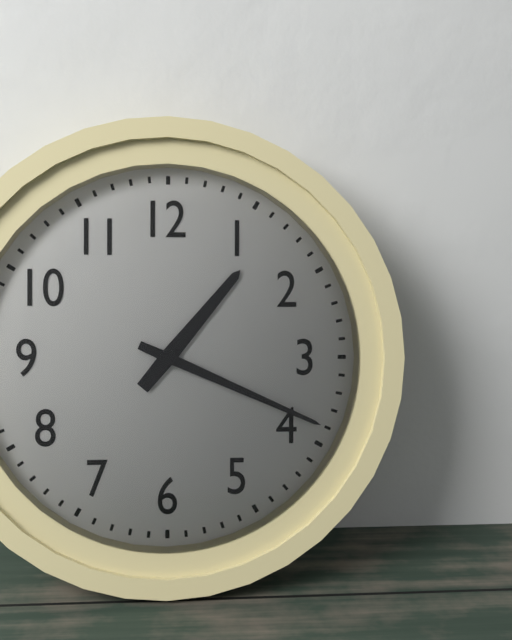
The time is 1:19
